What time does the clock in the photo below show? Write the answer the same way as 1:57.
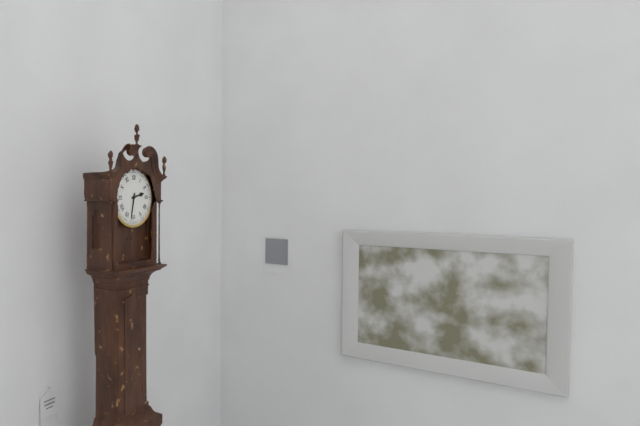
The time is 2:32
